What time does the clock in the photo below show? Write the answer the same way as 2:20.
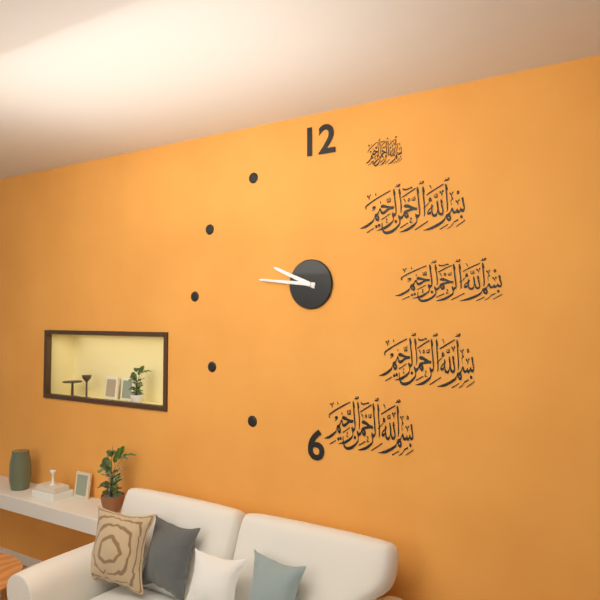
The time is 9:46
